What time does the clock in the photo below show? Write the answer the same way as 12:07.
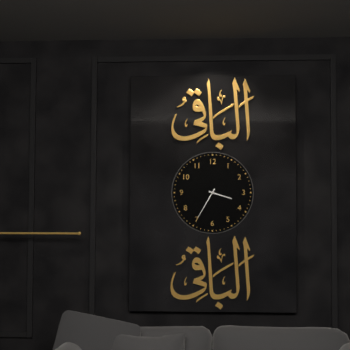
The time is 3:35
